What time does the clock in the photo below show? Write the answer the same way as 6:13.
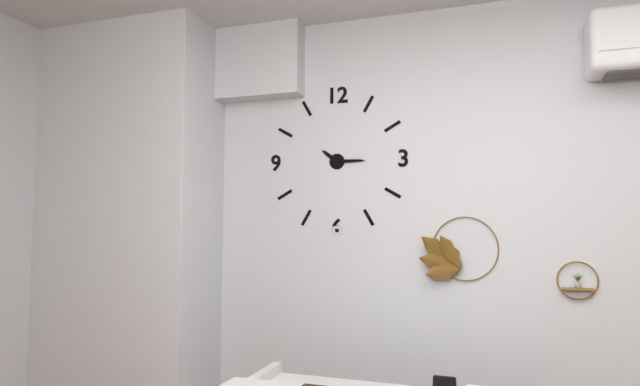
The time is 10:15
